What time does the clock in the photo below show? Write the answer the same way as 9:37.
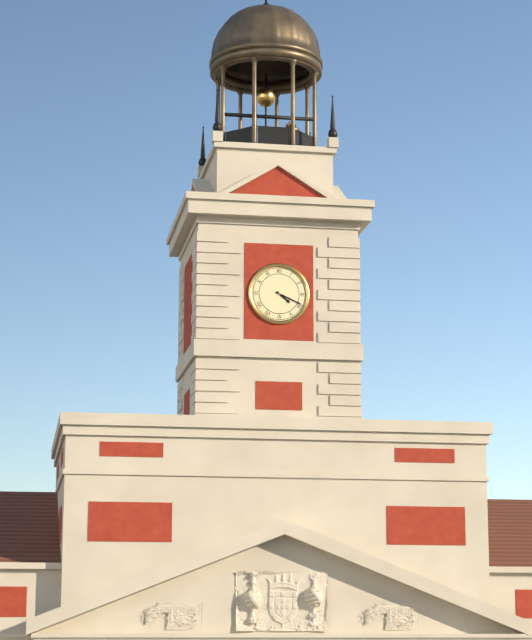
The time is 4:19
